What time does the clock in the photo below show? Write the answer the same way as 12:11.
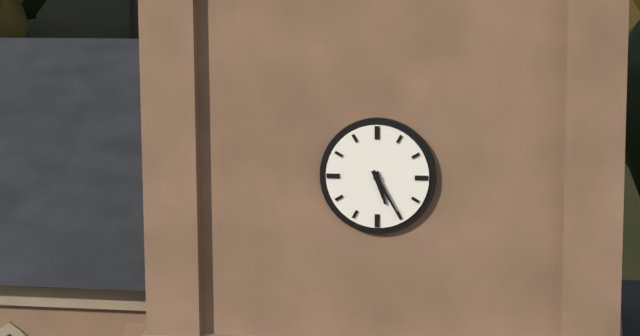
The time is 5:25
